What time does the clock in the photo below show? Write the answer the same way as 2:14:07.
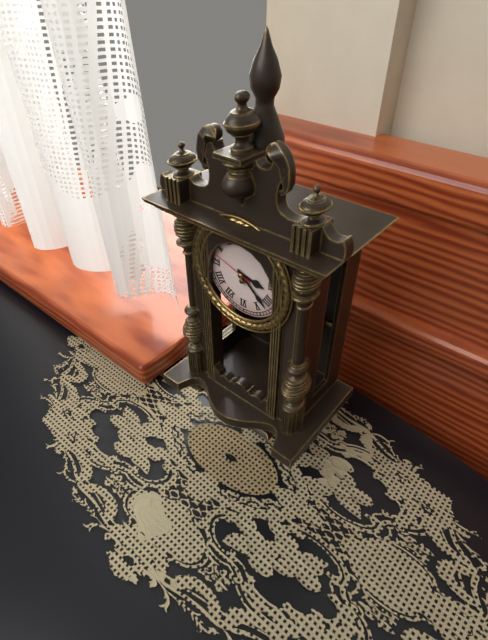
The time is 3:22:48
